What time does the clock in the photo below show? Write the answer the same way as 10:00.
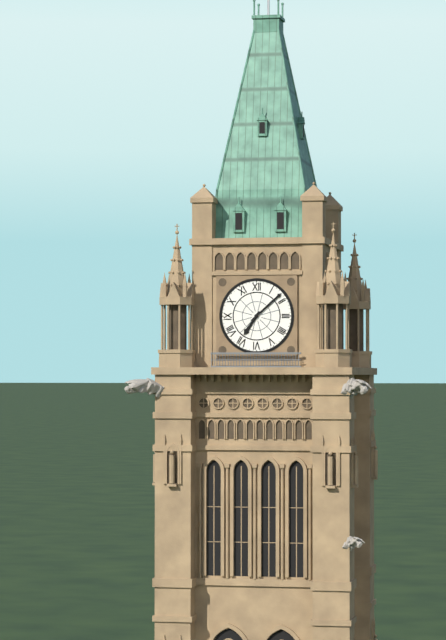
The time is 7:08
